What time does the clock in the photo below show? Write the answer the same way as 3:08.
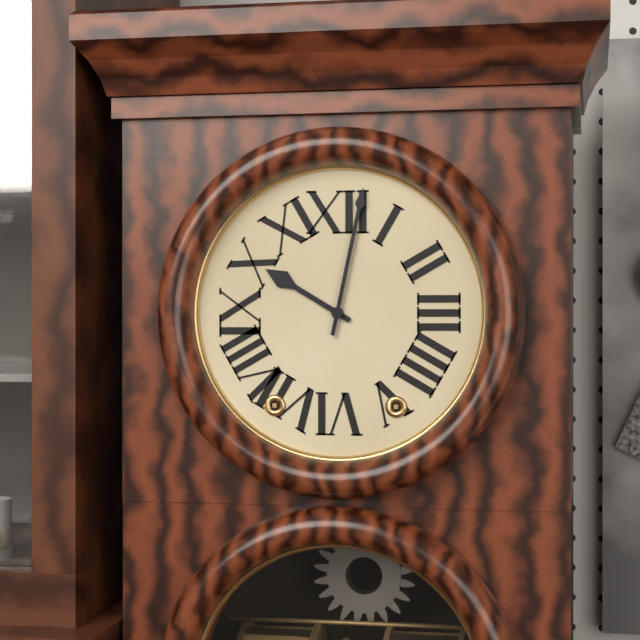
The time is 10:02
